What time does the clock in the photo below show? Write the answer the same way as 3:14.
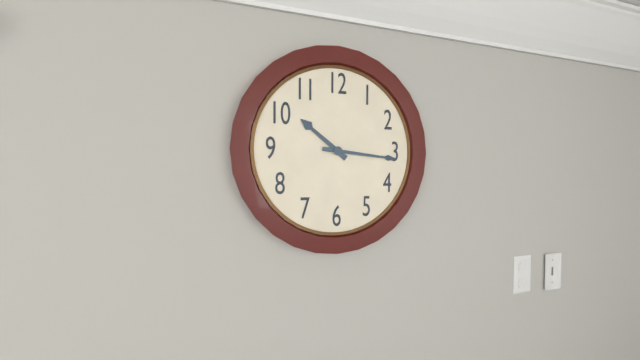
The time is 10:16
